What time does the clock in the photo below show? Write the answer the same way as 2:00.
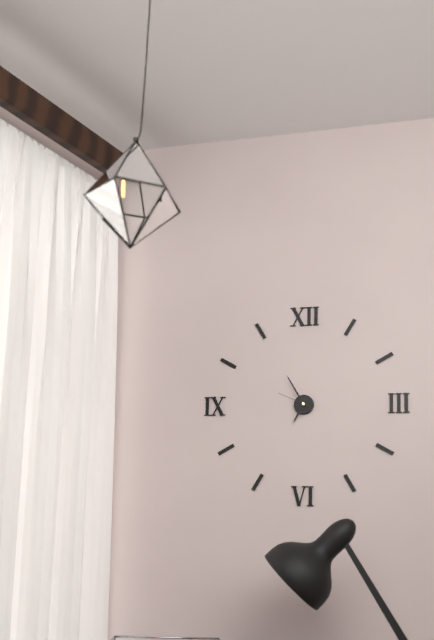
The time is 6:55
